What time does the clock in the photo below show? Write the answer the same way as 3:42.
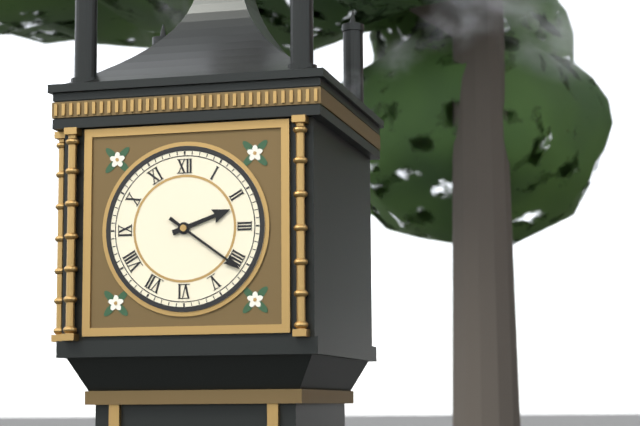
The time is 2:21
